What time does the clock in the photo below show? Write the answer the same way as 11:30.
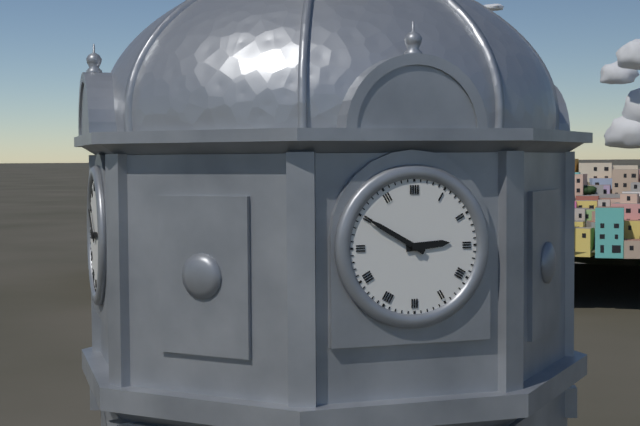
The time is 2:50
